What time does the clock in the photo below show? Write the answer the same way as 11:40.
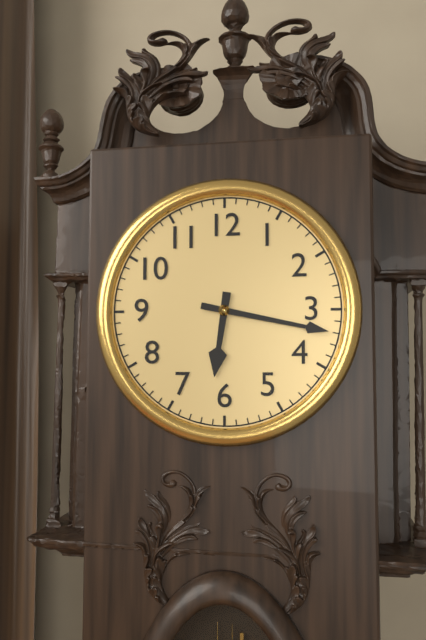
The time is 6:17
